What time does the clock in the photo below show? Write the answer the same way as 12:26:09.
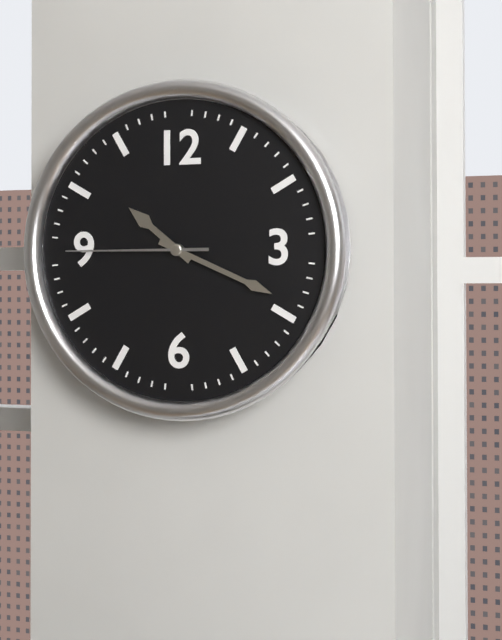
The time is 10:19:45
